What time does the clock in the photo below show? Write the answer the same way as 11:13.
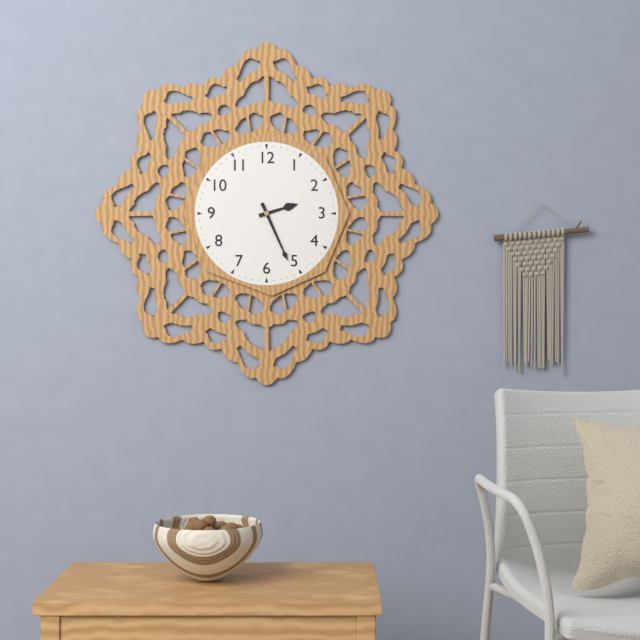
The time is 2:26
